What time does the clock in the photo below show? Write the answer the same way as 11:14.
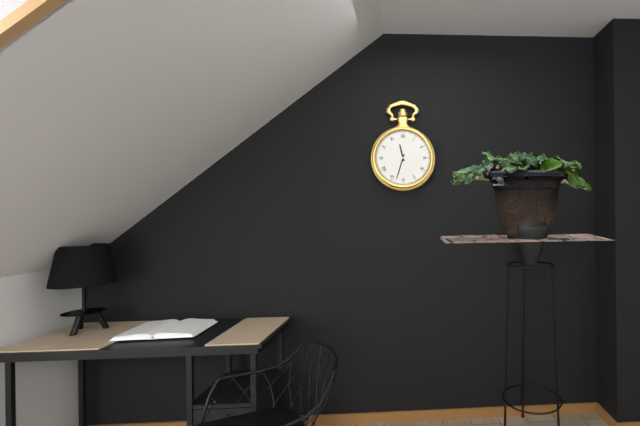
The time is 11:33
